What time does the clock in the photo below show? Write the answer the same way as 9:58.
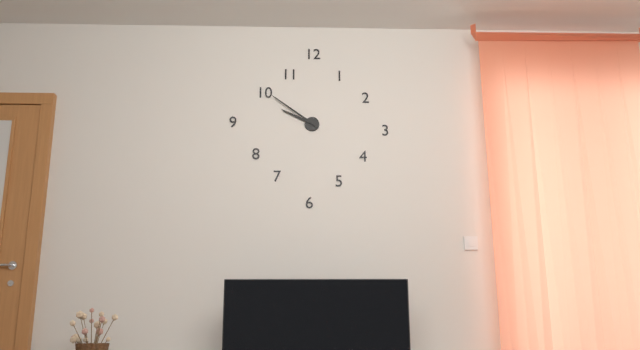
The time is 9:51
